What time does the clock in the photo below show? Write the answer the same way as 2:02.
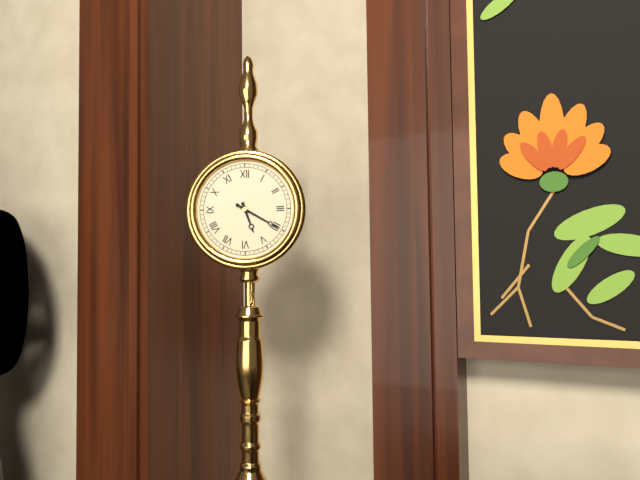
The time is 5:20
